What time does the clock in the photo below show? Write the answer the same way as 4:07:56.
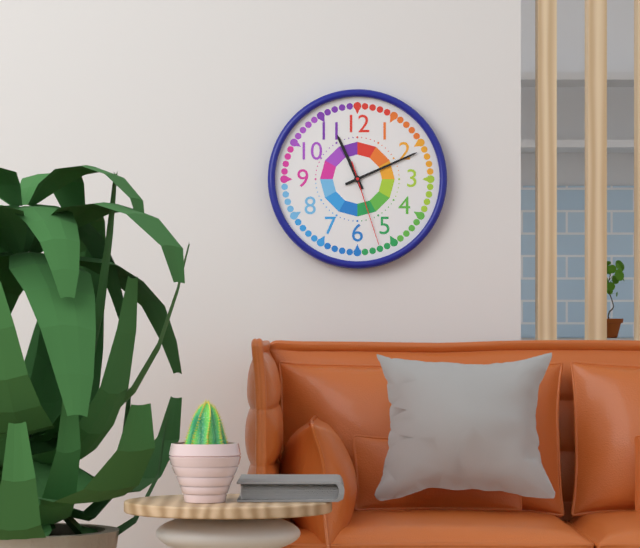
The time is 11:11:27
